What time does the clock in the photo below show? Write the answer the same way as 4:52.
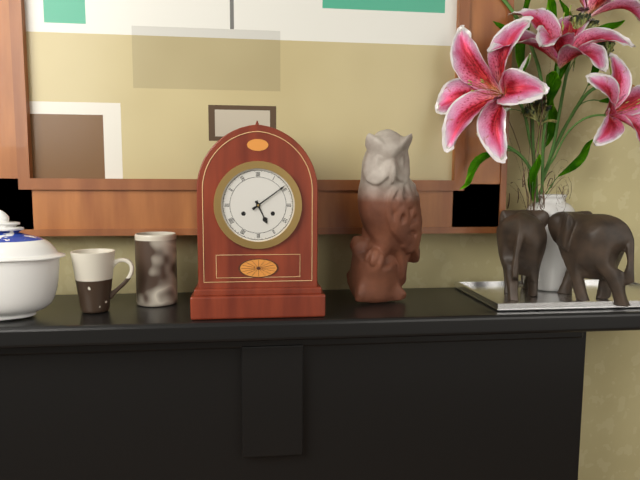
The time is 5:09
